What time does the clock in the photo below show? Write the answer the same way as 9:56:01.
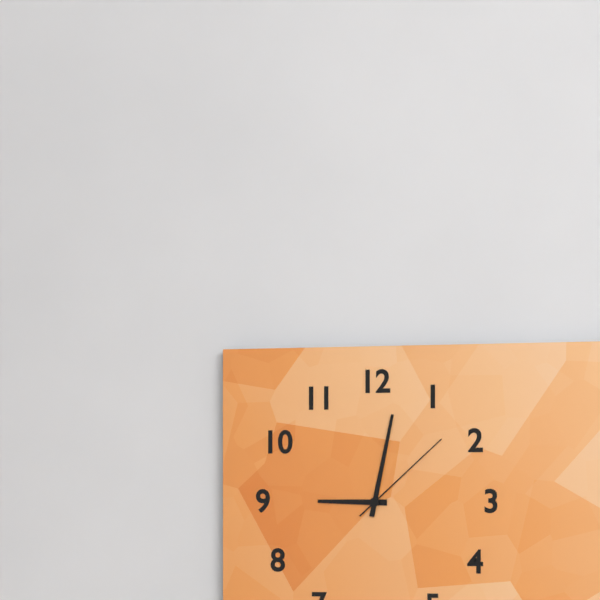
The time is 9:02:08
